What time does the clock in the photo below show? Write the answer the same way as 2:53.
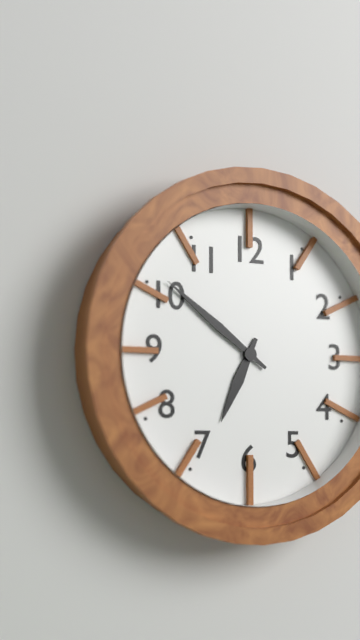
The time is 6:51
